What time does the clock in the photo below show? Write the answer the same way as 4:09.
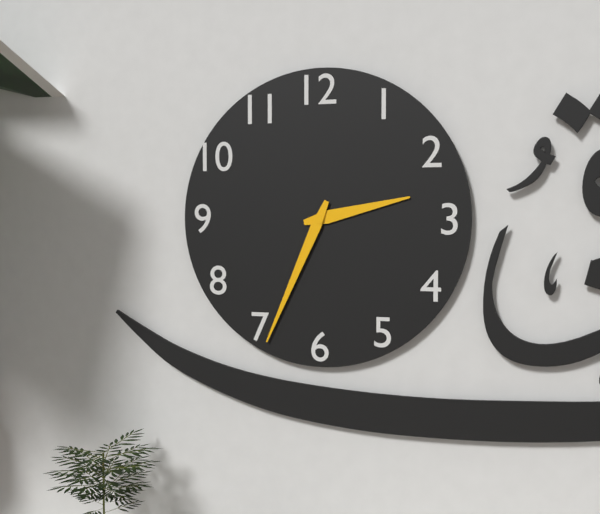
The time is 2:34
